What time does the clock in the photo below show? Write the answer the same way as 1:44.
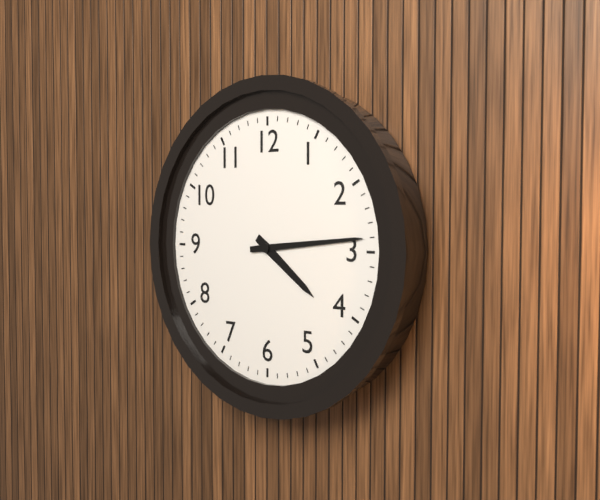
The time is 4:14
